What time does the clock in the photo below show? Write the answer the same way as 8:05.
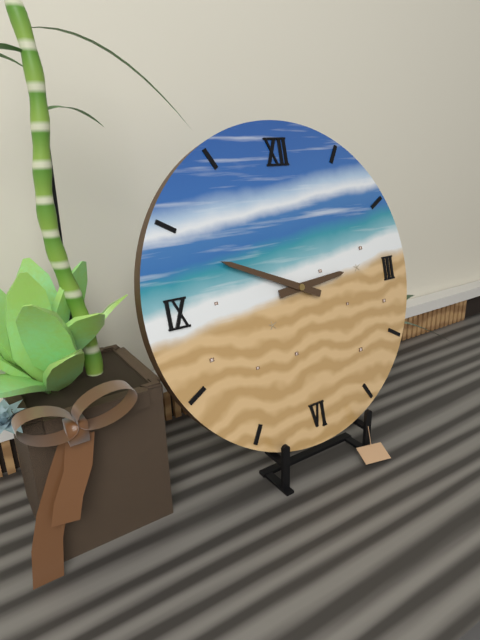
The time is 2:49
